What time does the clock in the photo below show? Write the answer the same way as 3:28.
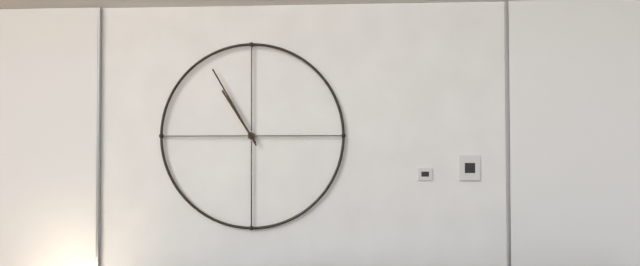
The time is 10:55
